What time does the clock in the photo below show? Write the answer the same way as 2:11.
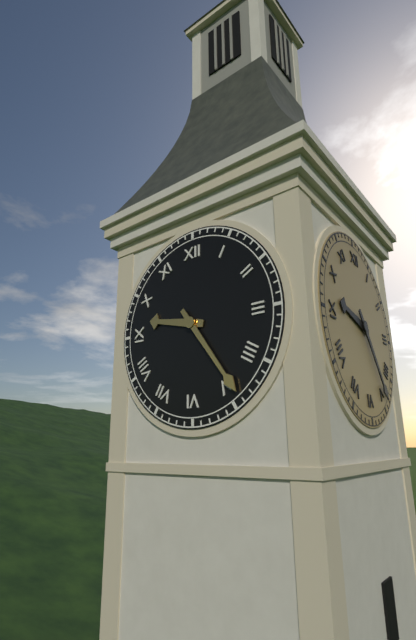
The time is 9:24
